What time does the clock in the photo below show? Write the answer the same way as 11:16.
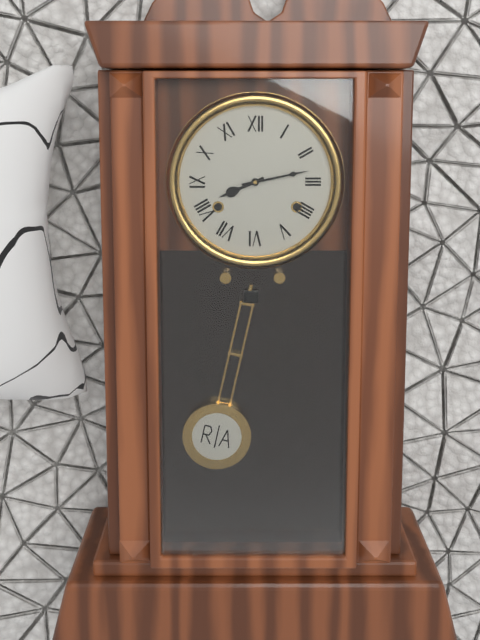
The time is 8:13
